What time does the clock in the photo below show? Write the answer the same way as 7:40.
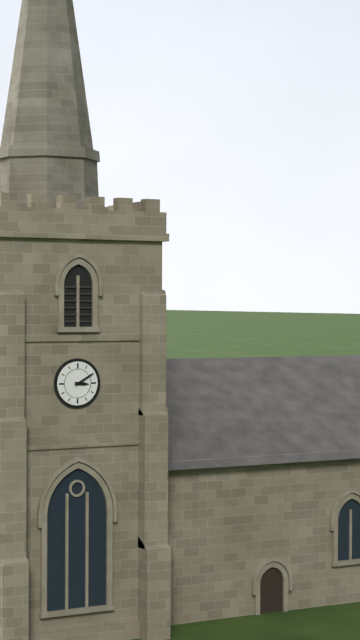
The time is 3:10
